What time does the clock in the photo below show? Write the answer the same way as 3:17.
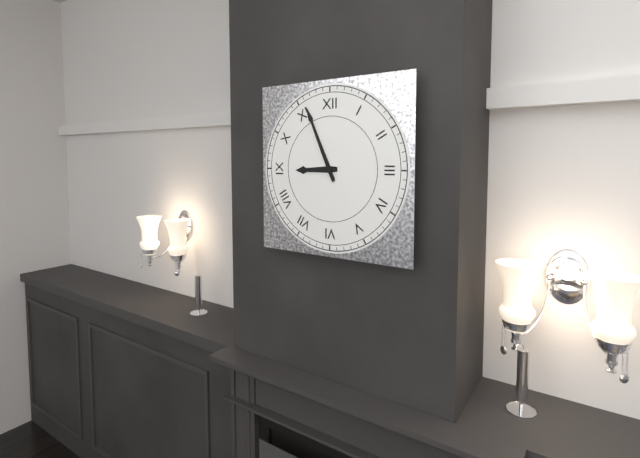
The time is 8:56
